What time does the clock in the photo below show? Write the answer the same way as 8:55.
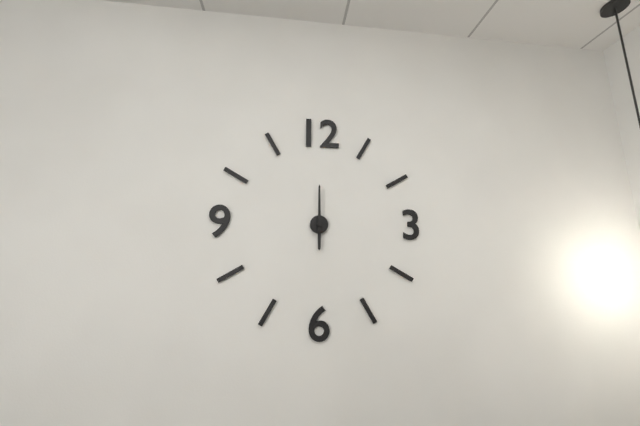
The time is 6:00
